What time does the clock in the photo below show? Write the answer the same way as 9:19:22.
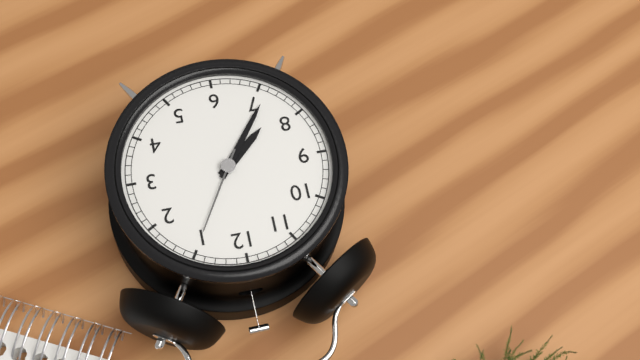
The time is 7:36:05
